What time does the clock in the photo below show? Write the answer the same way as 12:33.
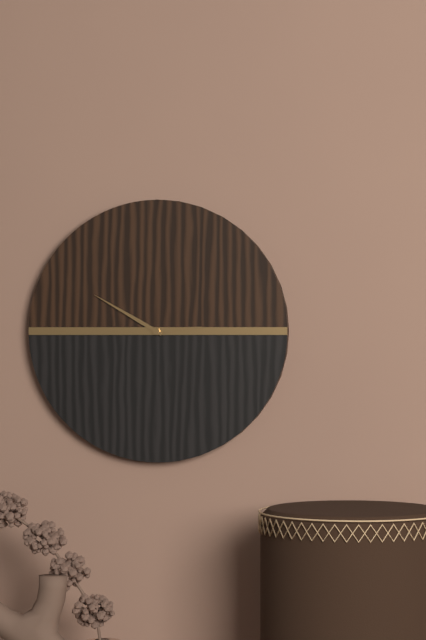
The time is 2:50
